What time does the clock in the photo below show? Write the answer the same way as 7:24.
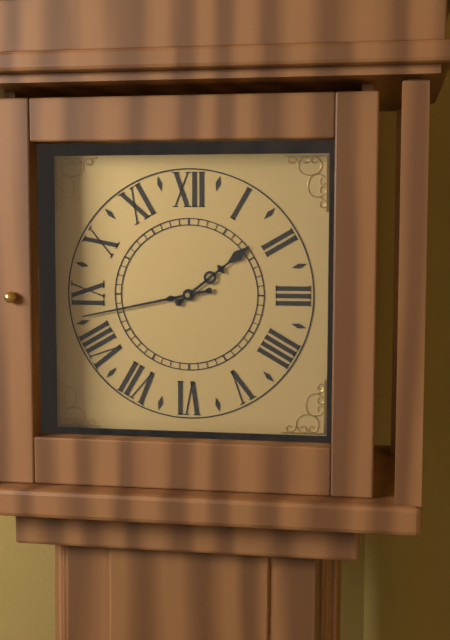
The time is 1:43
